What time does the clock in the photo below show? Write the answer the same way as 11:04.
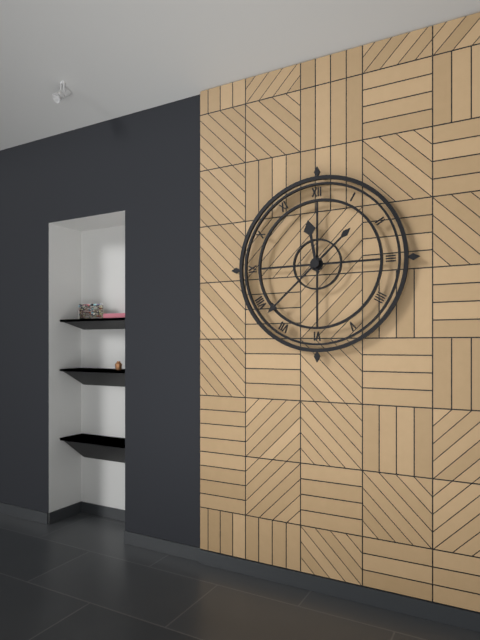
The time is 11:38
